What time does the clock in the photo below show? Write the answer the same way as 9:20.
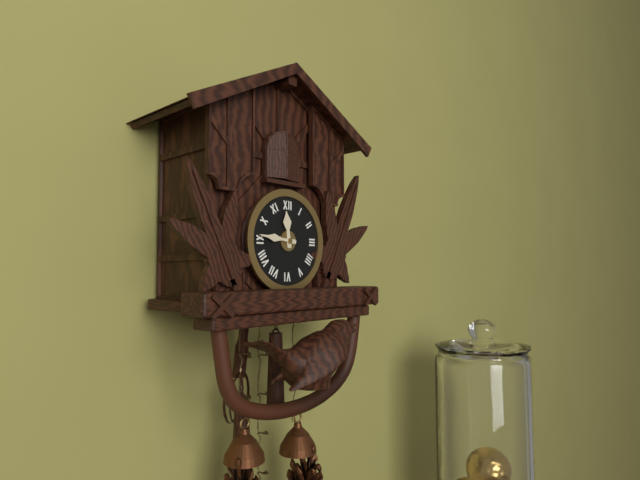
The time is 11:46
